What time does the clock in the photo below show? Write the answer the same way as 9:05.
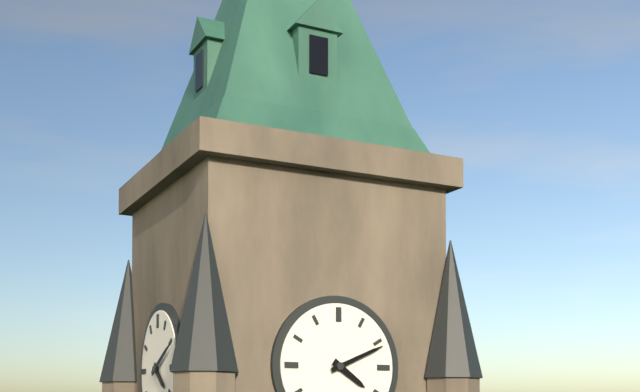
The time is 4:11
